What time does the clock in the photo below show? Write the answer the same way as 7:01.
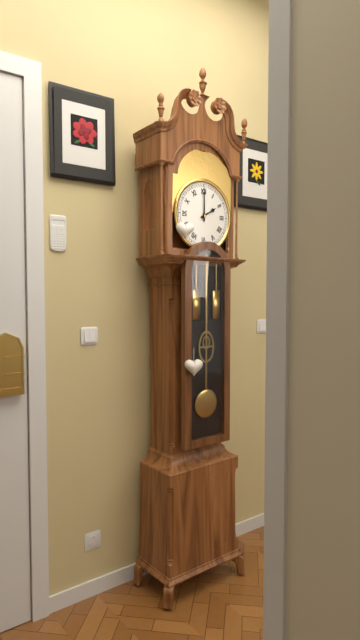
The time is 2:00
